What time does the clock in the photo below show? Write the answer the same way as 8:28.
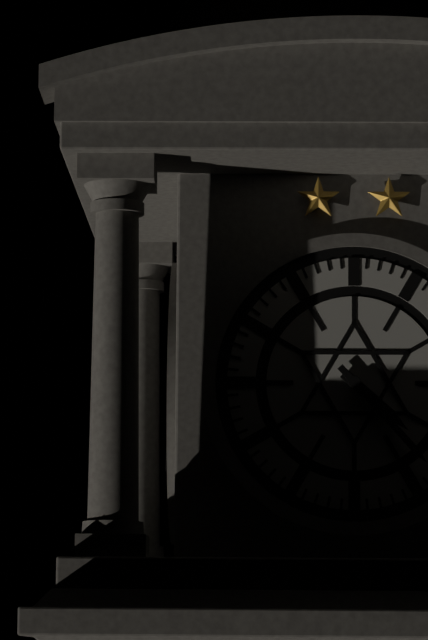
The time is 4:23
